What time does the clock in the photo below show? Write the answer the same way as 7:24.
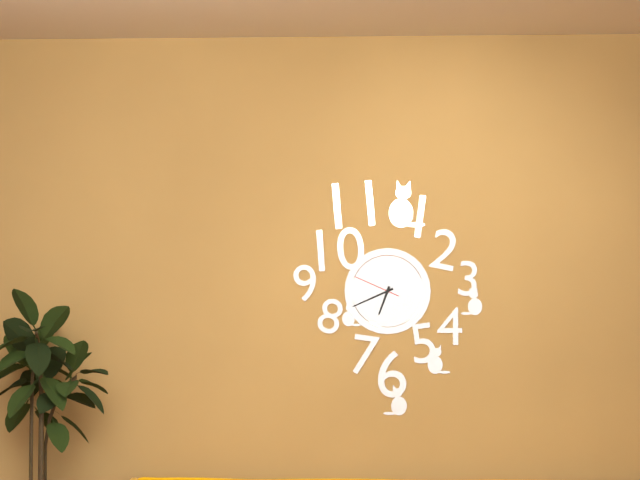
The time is 6:41
